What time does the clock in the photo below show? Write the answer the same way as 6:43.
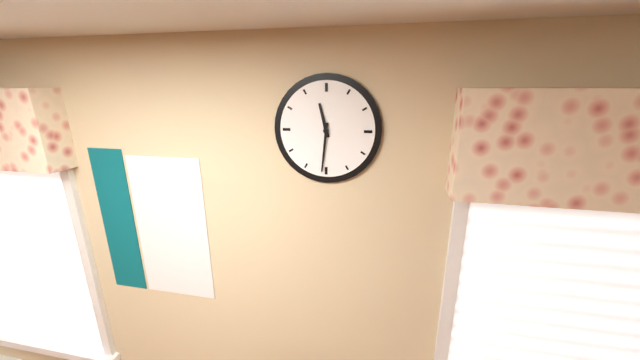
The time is 11:31
